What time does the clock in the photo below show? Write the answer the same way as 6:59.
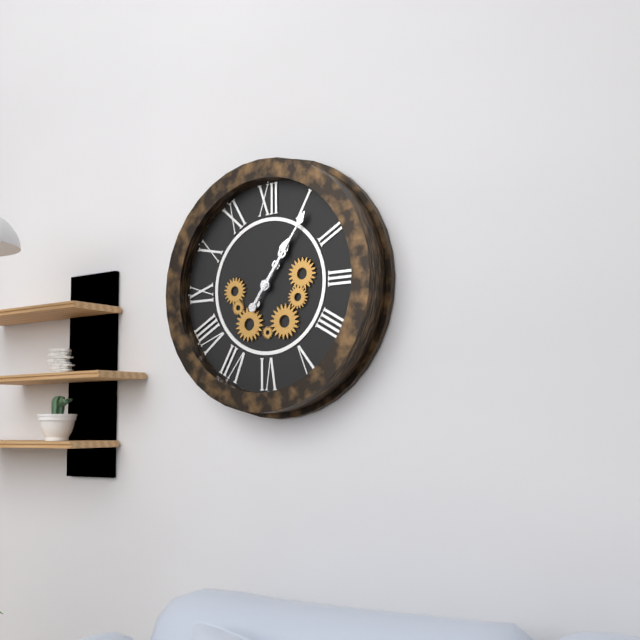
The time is 1:06
